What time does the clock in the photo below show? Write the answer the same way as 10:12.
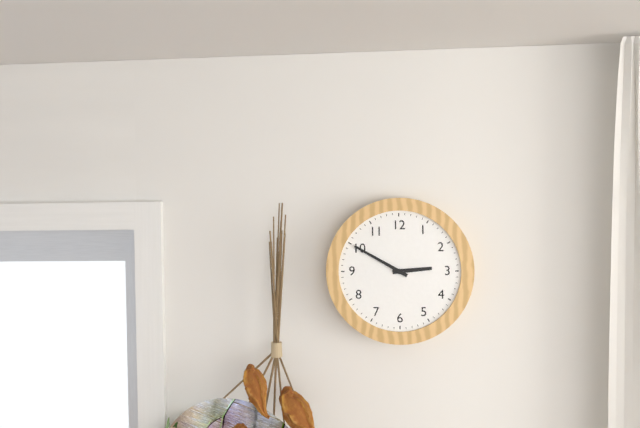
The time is 2:50
